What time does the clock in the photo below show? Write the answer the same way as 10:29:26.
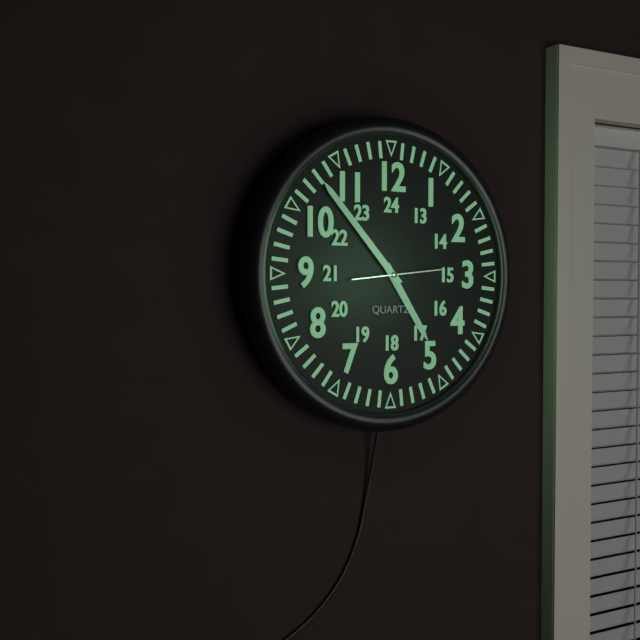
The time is 4:53:14
